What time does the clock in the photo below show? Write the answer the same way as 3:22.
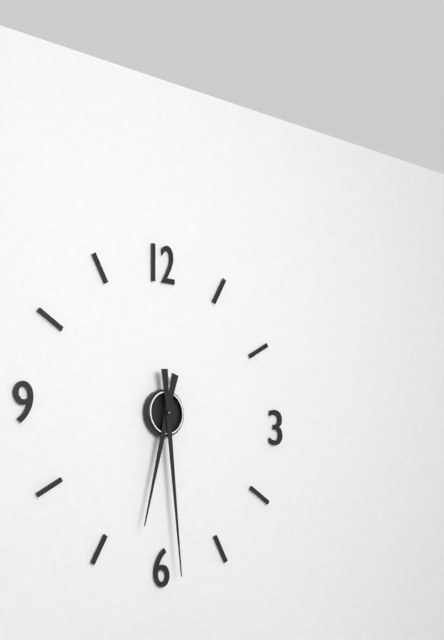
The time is 6:29
